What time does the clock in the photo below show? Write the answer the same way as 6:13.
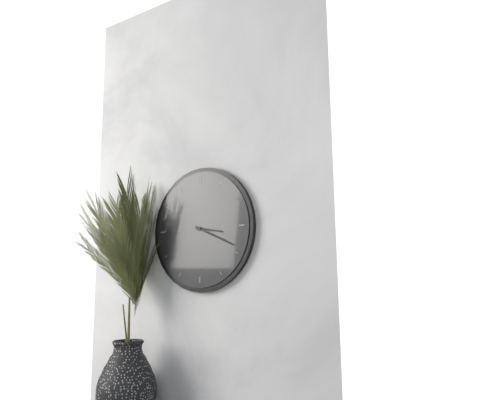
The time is 3:19
